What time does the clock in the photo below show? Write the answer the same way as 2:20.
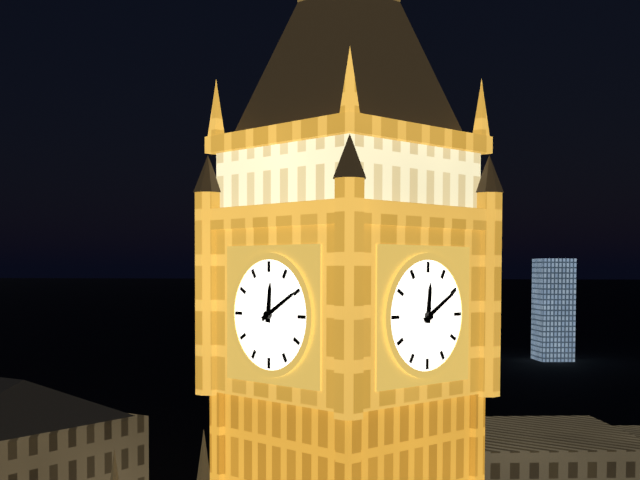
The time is 12:10
